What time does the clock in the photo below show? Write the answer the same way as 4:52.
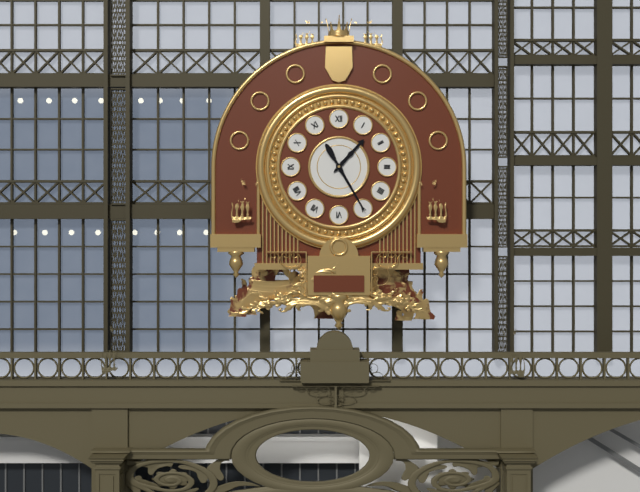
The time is 1:25
